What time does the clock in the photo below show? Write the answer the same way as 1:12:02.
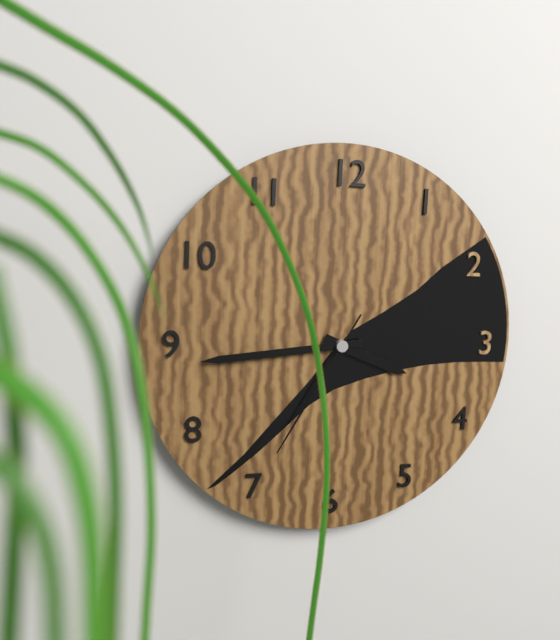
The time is 3:44:35
